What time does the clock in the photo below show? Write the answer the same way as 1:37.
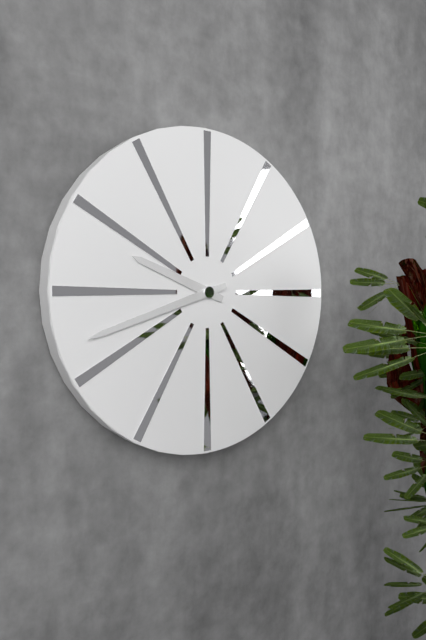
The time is 9:42
